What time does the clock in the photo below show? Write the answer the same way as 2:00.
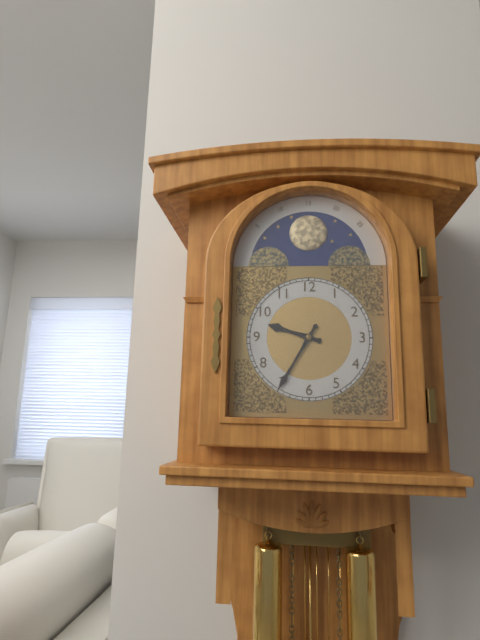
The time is 9:35
